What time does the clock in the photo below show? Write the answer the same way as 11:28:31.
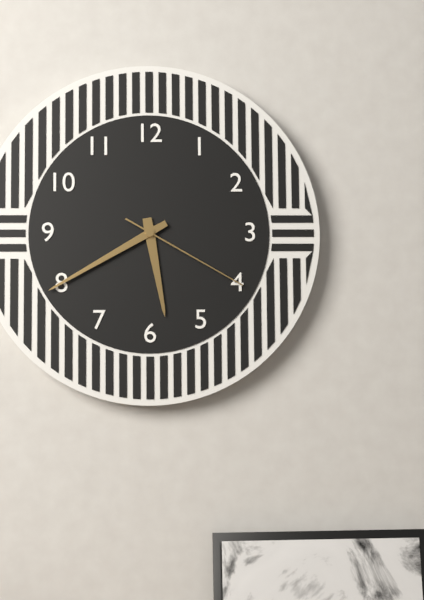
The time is 5:40:20
